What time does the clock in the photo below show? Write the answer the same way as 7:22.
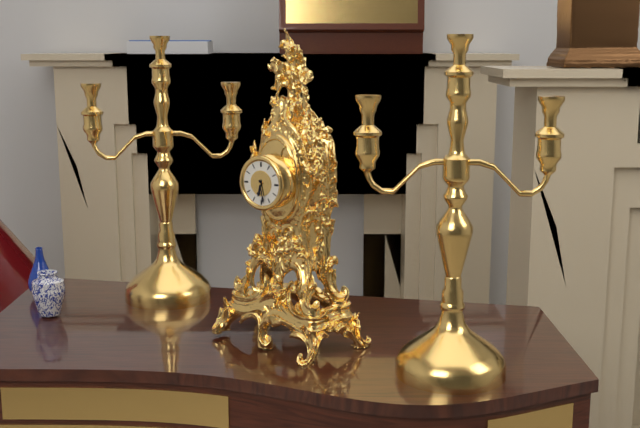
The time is 6:28
